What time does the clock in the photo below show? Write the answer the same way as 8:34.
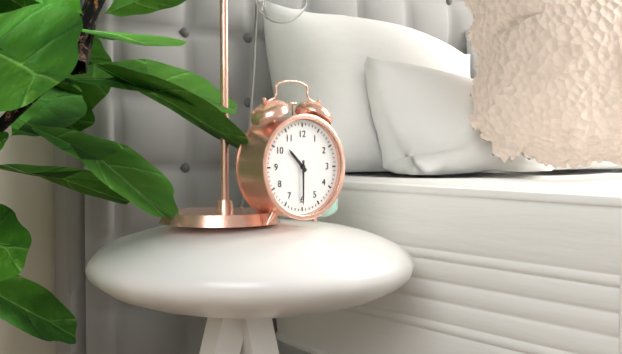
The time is 10:30
